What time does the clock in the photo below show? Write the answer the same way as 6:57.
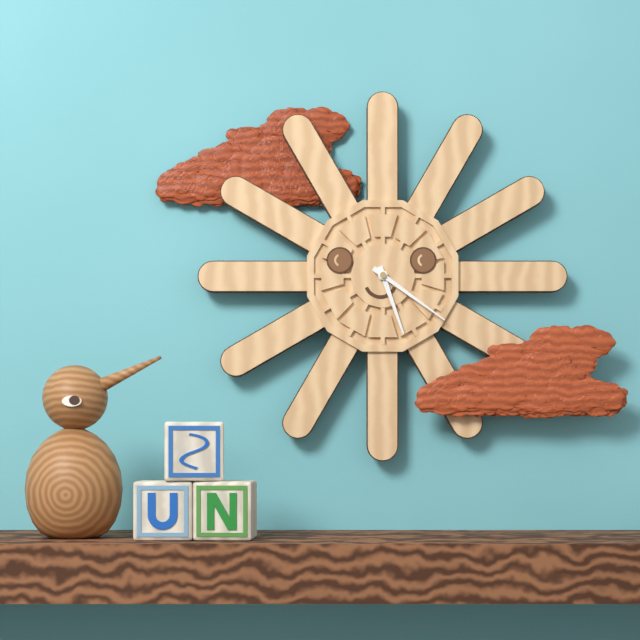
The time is 5:21
